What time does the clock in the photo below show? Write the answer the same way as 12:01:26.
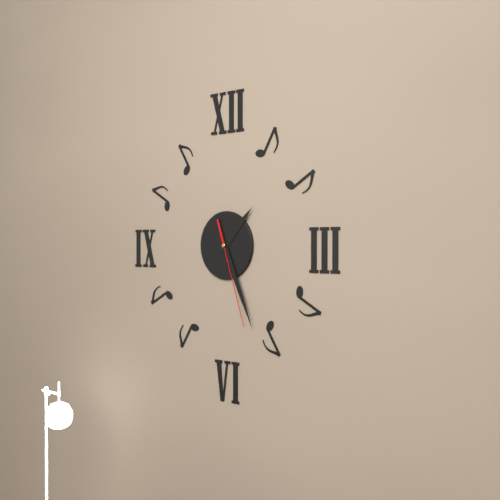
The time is 1:26:27
